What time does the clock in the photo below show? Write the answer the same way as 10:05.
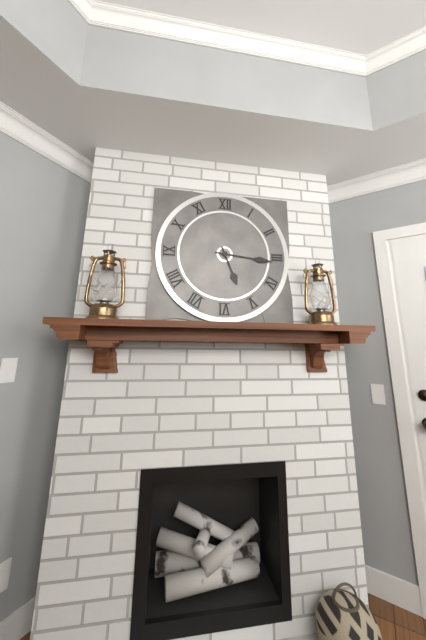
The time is 5:16
